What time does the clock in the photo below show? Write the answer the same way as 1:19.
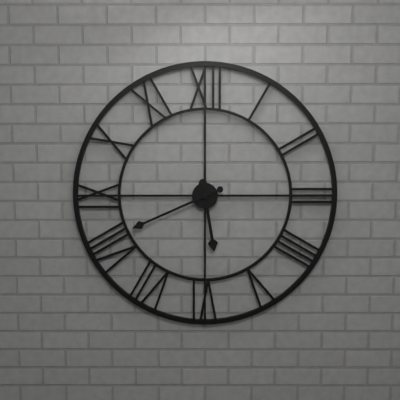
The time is 5:41
